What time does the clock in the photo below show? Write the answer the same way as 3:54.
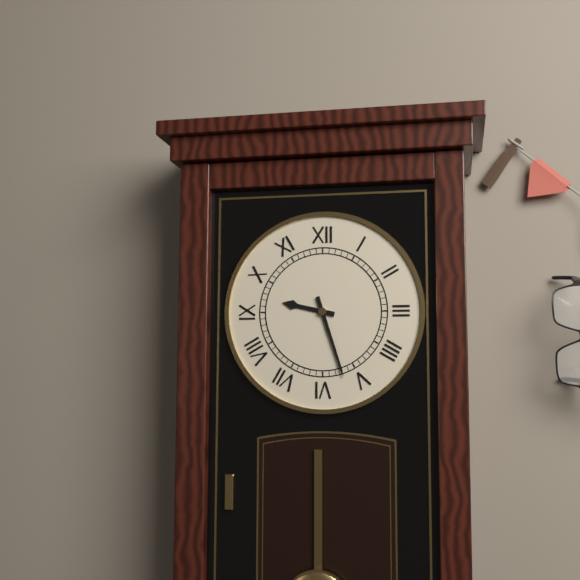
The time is 9:27
